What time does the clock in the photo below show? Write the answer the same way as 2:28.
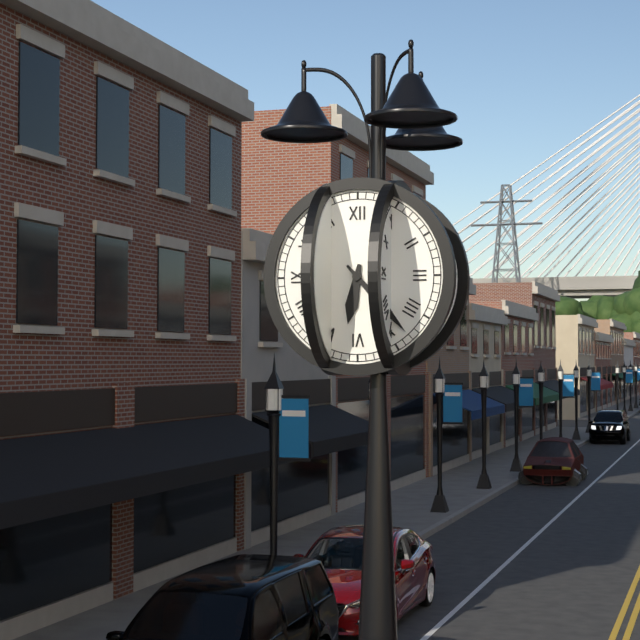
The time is 6:23
